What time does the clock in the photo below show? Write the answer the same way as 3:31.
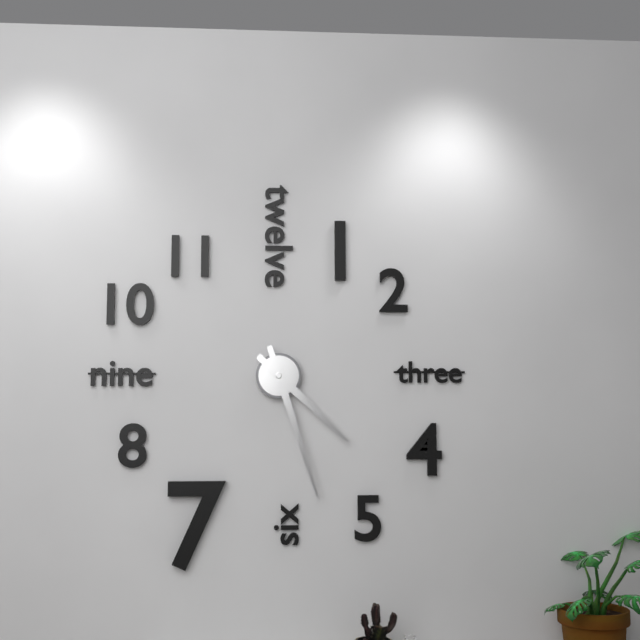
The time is 4:27
